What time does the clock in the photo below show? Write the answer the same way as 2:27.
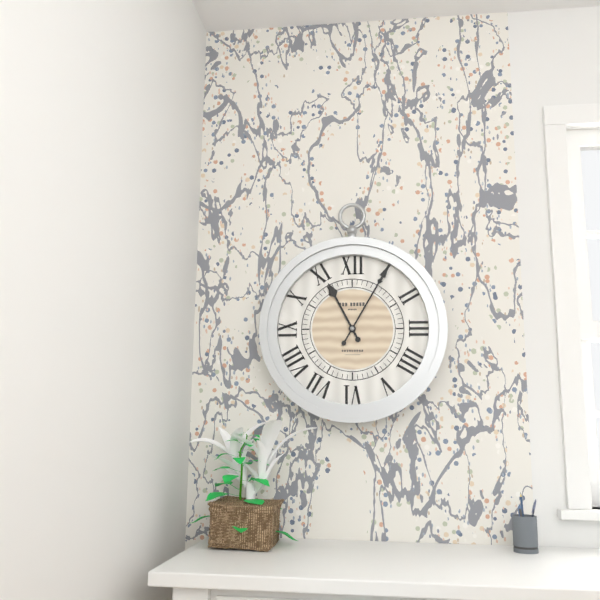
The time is 11:05
